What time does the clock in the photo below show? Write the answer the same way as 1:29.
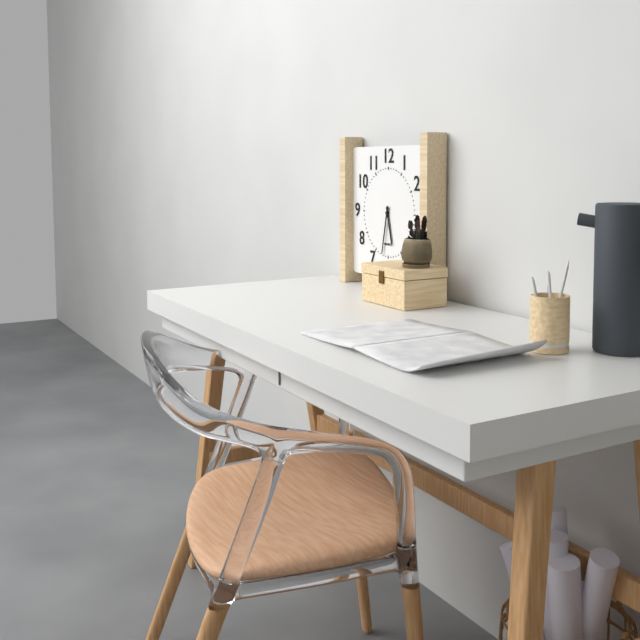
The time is 5:32
